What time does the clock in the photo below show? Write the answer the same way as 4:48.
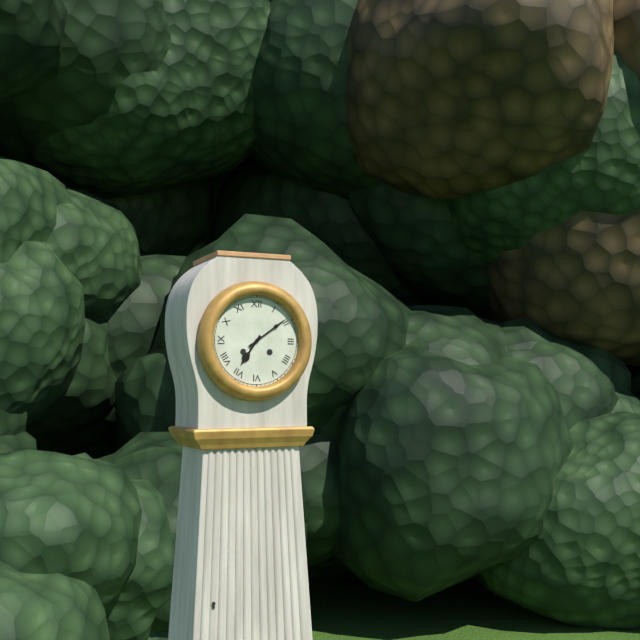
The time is 7:09
